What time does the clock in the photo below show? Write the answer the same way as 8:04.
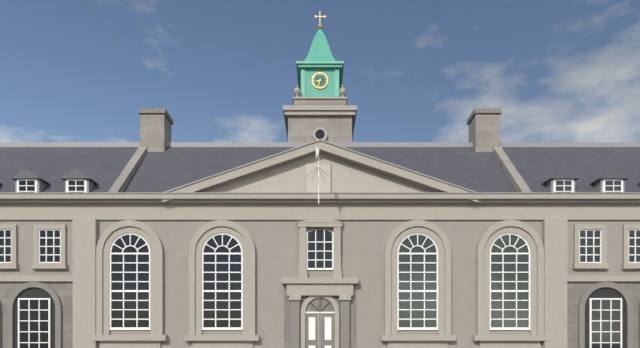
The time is 8:33
